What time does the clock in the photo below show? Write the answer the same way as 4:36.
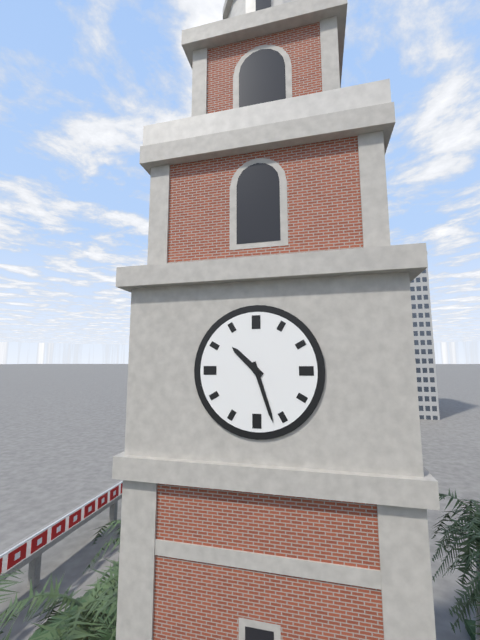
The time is 10:27
